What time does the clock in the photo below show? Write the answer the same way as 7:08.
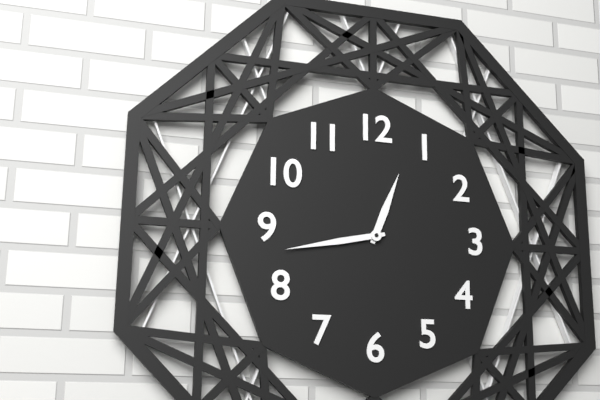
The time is 12:43
